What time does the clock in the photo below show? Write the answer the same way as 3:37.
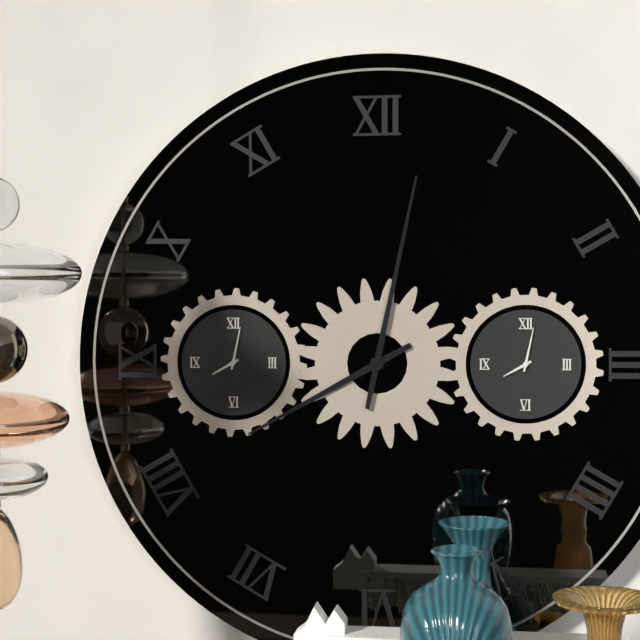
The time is 8:02
